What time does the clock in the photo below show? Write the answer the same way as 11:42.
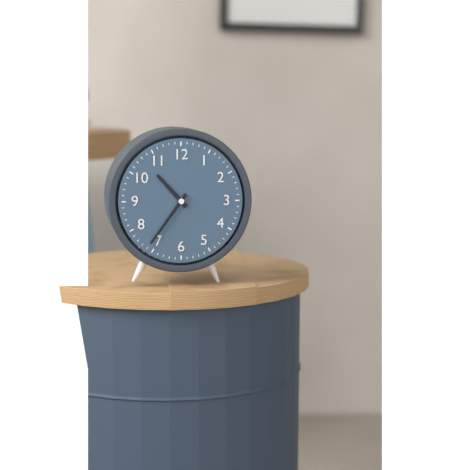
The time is 10:36
